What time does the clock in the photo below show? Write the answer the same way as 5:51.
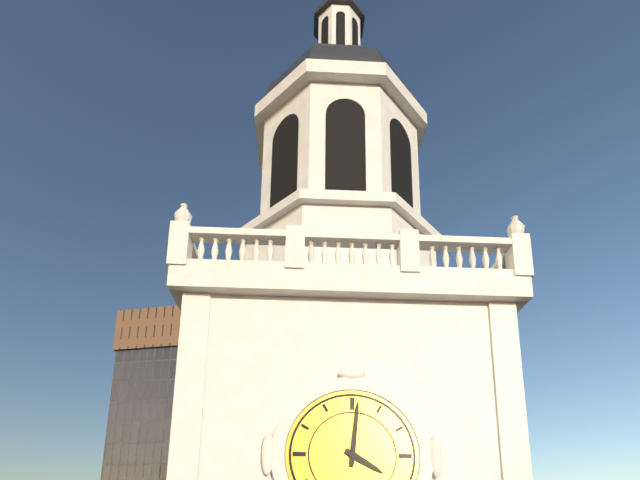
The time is 4:01
